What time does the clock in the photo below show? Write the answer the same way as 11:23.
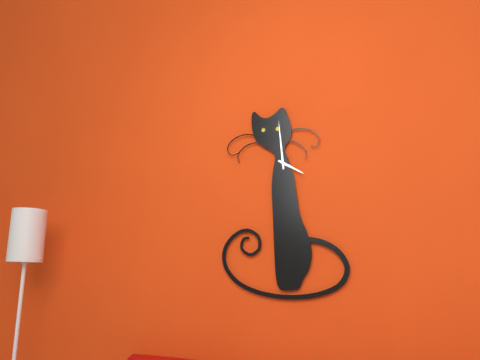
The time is 3:59
